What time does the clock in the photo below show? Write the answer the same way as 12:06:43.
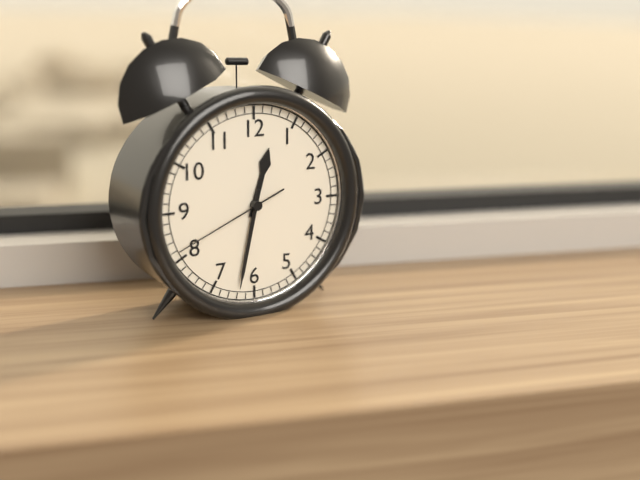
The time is 12:32:41
